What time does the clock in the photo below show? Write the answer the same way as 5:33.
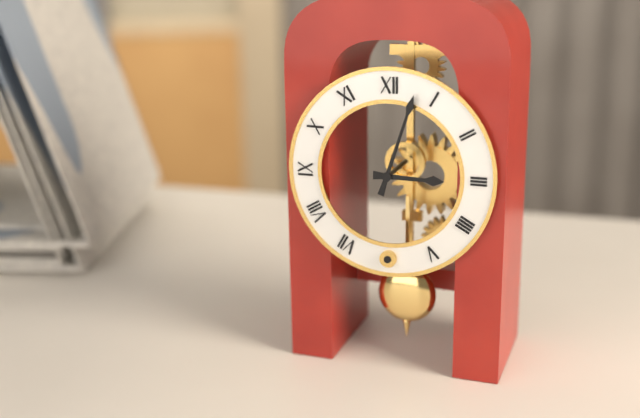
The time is 3:03
